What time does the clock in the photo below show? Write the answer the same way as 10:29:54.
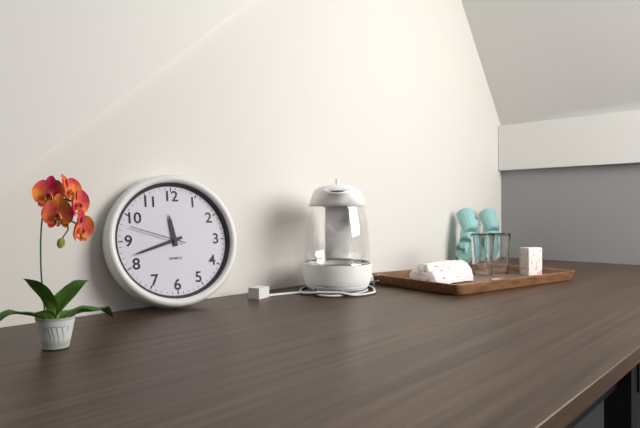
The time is 11:42:48
